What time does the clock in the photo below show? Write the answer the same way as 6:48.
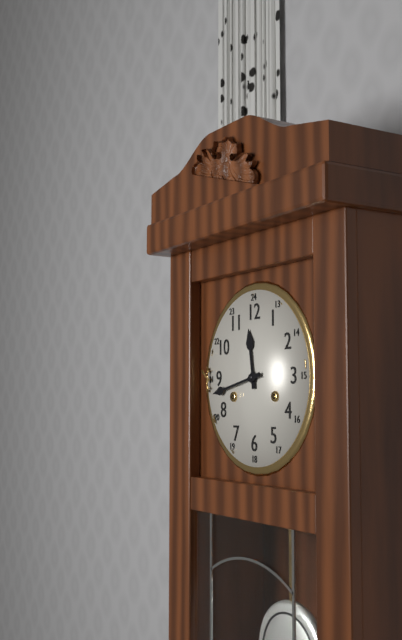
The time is 11:43
